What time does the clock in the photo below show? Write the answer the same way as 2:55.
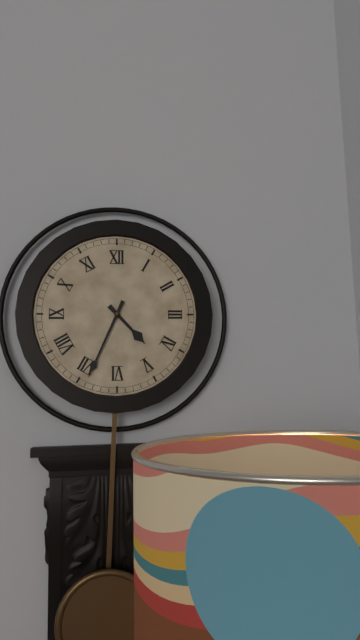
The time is 4:34
